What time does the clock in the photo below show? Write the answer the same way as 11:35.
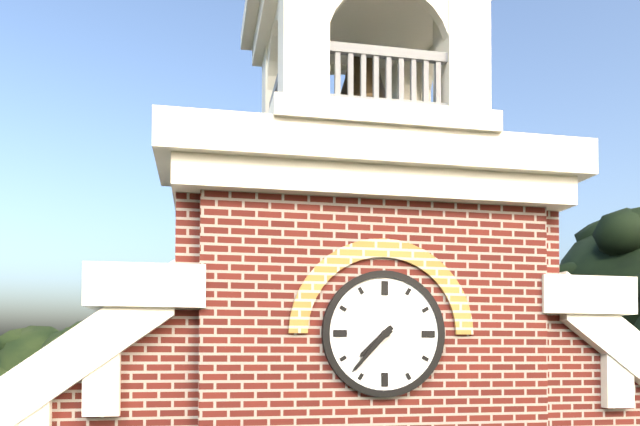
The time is 7:37
